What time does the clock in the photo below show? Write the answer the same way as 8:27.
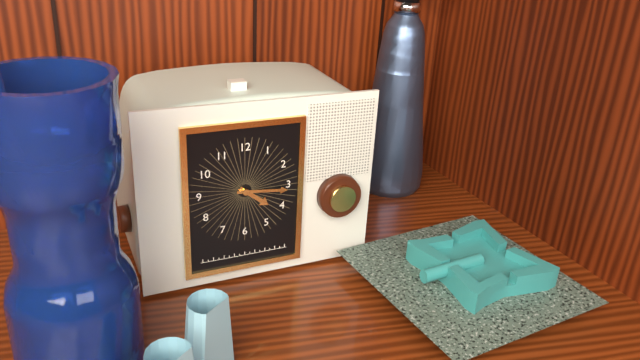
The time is 4:16
